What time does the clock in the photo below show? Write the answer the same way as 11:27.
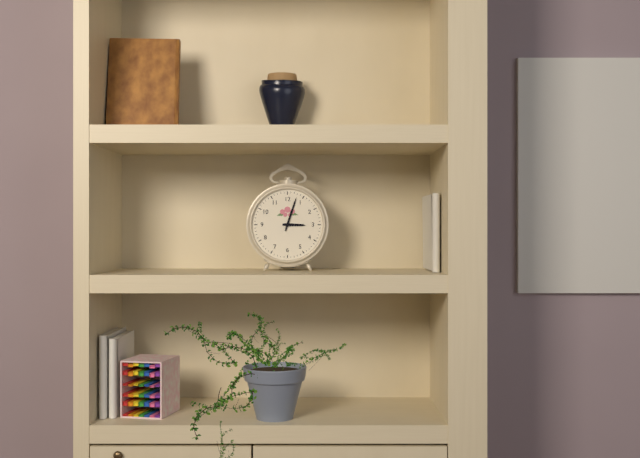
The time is 3:03
